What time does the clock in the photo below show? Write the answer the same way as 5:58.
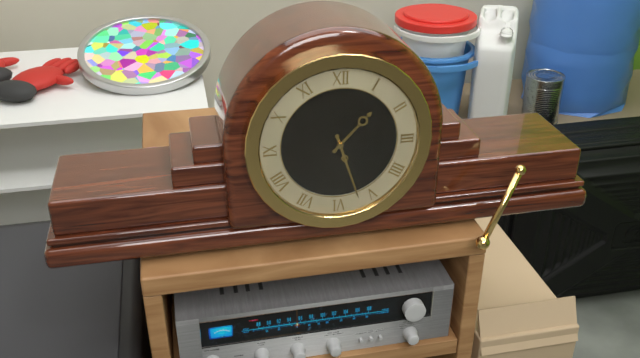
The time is 1:27
